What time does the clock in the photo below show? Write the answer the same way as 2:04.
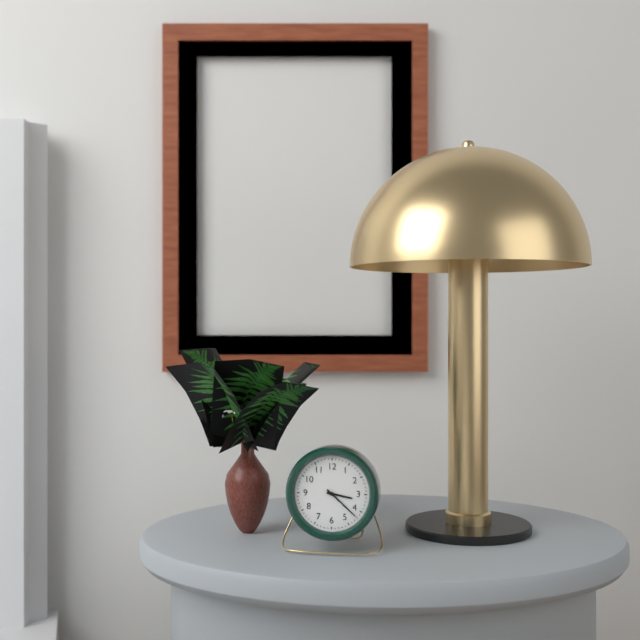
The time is 3:22
